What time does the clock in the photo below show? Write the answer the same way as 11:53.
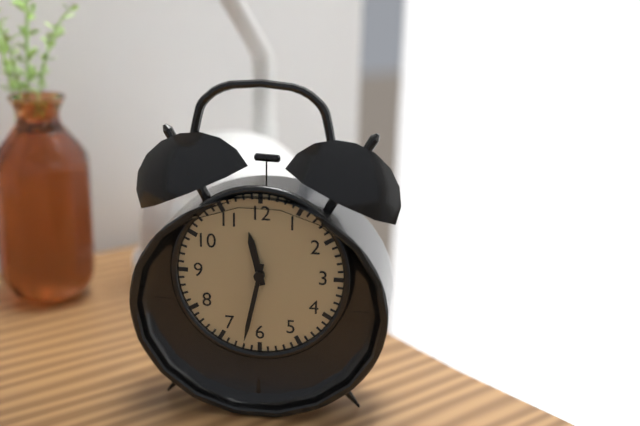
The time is 11:32
